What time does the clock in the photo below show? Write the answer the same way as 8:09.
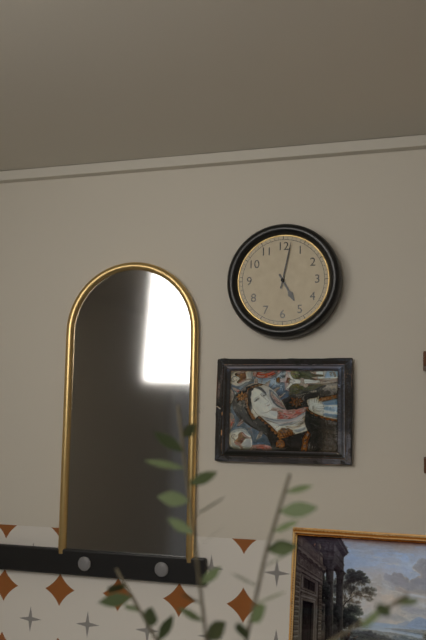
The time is 5:02
